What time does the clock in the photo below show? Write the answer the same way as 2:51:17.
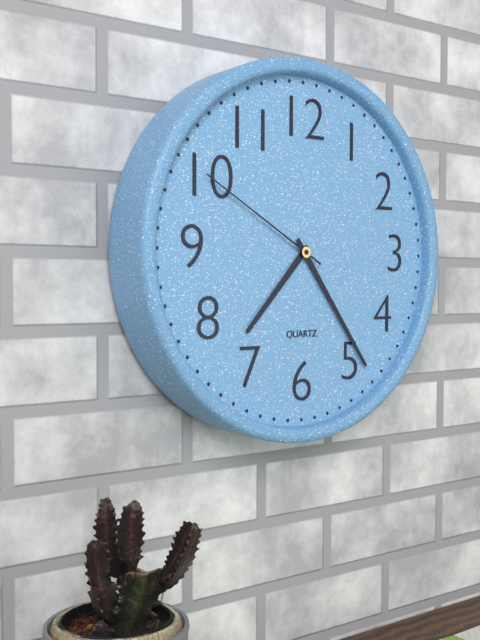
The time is 7:24:50
